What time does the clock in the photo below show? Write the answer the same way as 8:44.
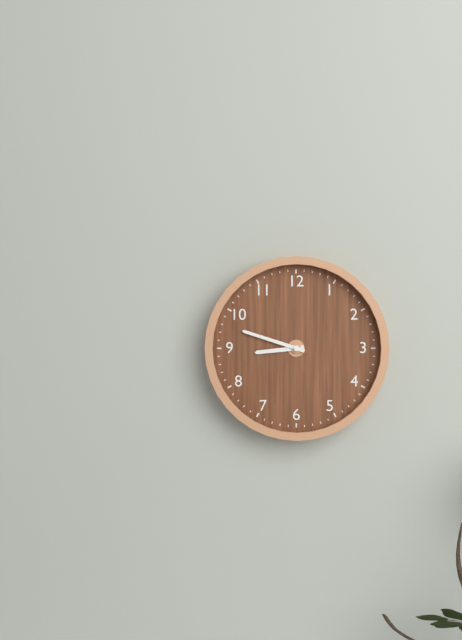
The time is 8:48
